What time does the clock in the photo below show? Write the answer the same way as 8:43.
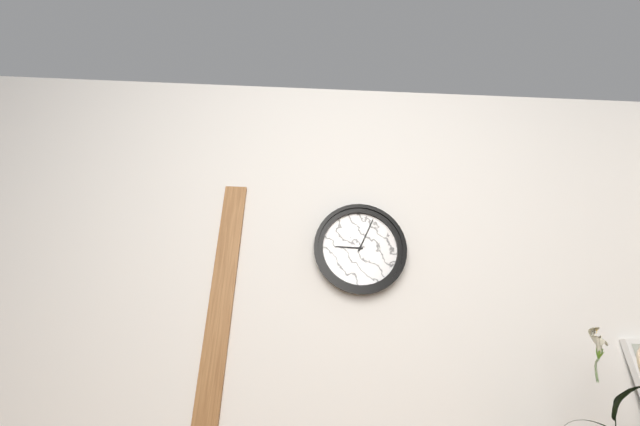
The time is 9:04
